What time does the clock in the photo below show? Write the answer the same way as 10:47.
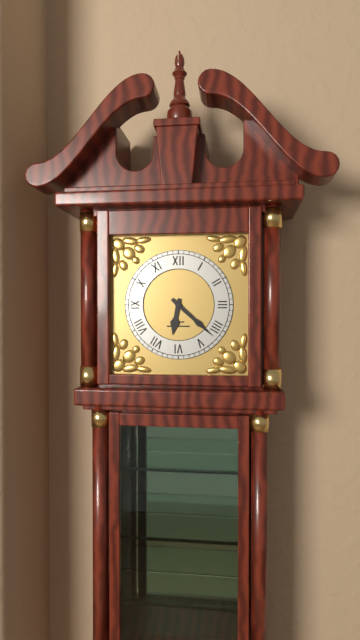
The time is 6:22
